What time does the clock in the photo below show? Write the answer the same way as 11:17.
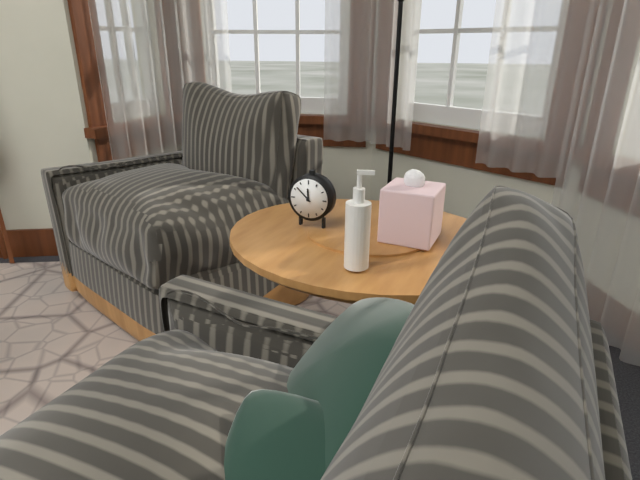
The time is 11:52
